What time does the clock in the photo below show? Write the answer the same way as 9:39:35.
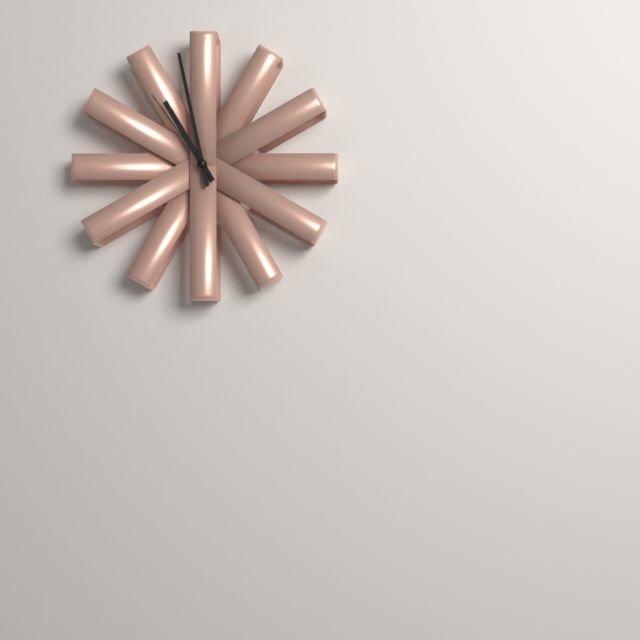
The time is 10:58:54
